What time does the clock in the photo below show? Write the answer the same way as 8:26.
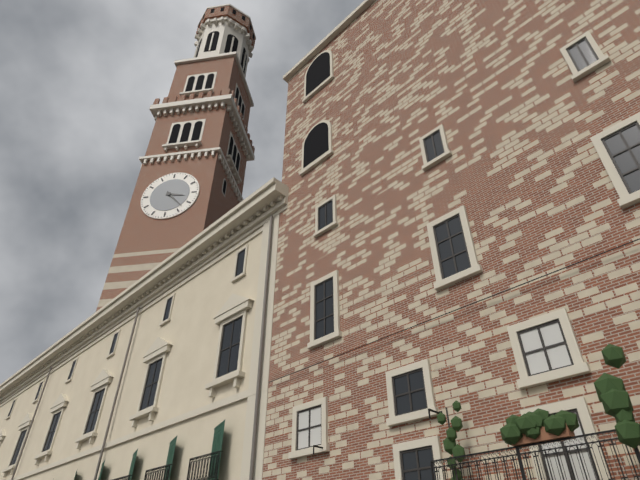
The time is 3:23
